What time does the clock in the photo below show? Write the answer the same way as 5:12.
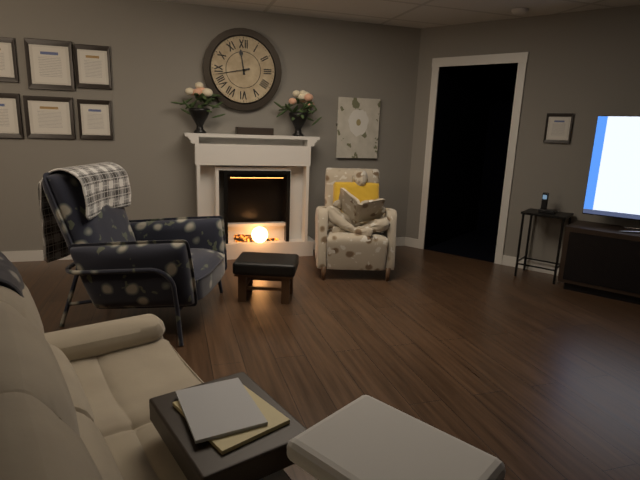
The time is 11:43
